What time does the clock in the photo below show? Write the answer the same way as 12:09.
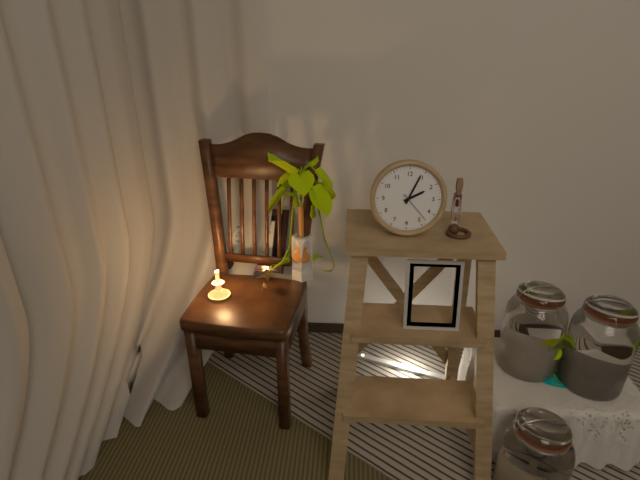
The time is 2:04
